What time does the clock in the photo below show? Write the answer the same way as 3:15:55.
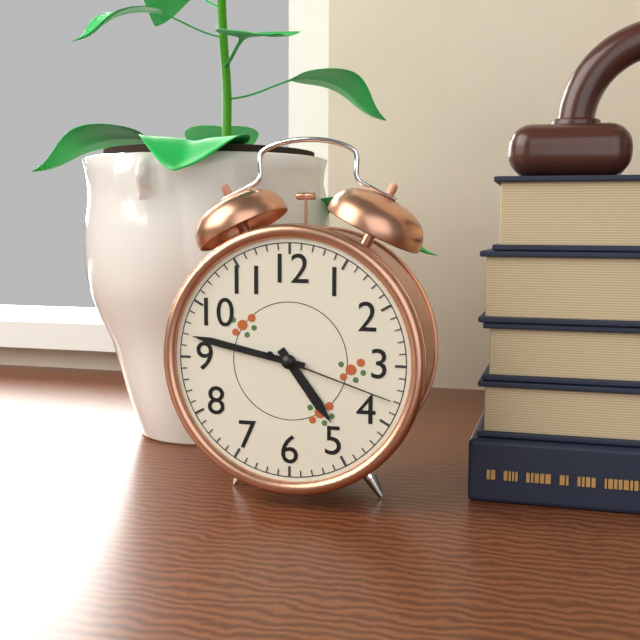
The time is 4:47:18
